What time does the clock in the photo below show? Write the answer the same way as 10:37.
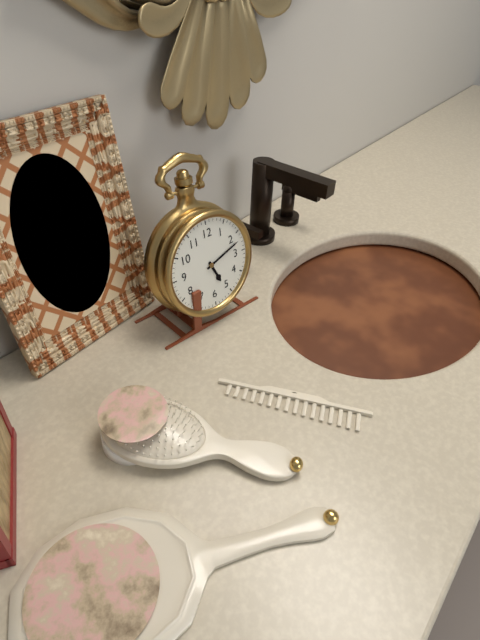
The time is 5:12
